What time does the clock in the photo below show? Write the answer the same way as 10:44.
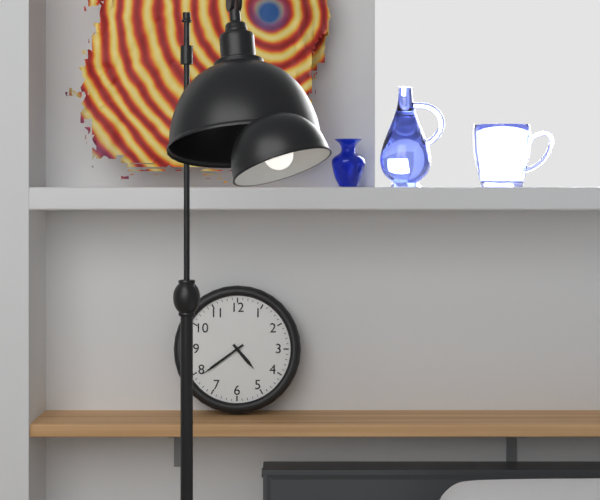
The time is 4:39
